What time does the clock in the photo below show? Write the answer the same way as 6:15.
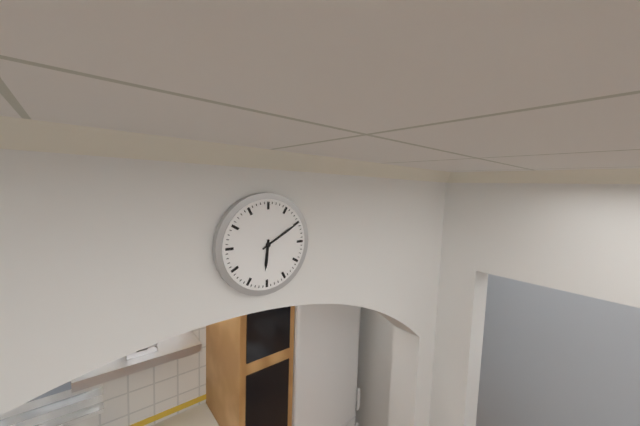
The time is 6:10
